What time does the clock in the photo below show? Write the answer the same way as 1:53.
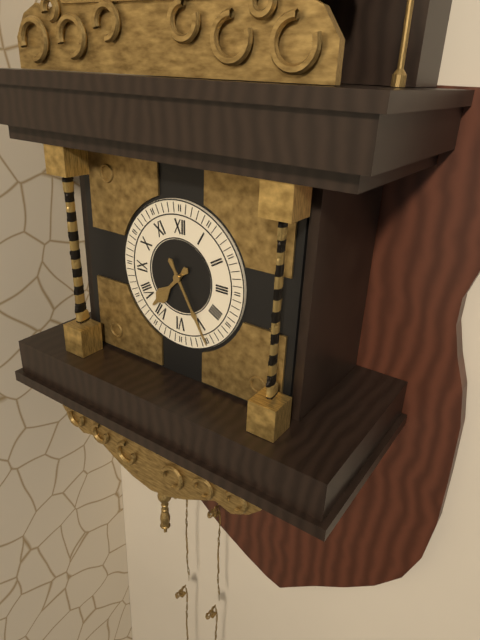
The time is 7:25
